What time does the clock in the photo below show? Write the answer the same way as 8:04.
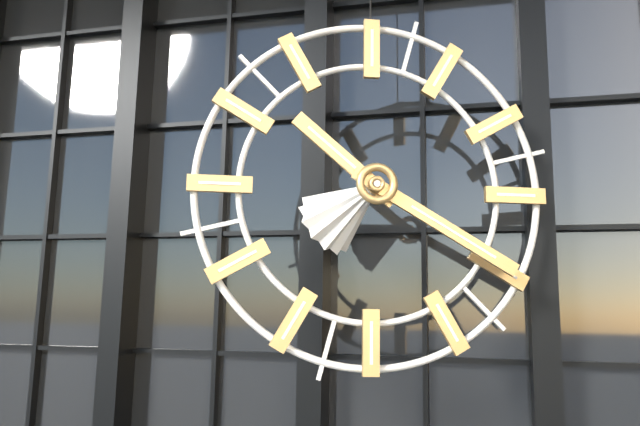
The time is 10:20
